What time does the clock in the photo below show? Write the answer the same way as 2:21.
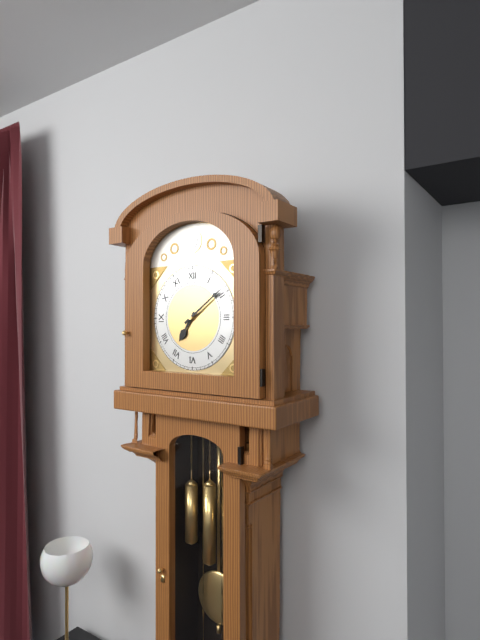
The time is 7:09
